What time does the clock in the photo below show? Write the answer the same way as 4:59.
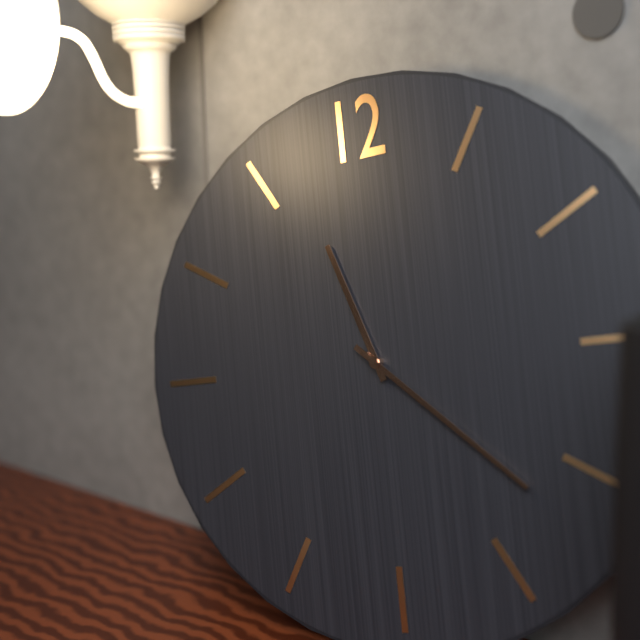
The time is 11:22
